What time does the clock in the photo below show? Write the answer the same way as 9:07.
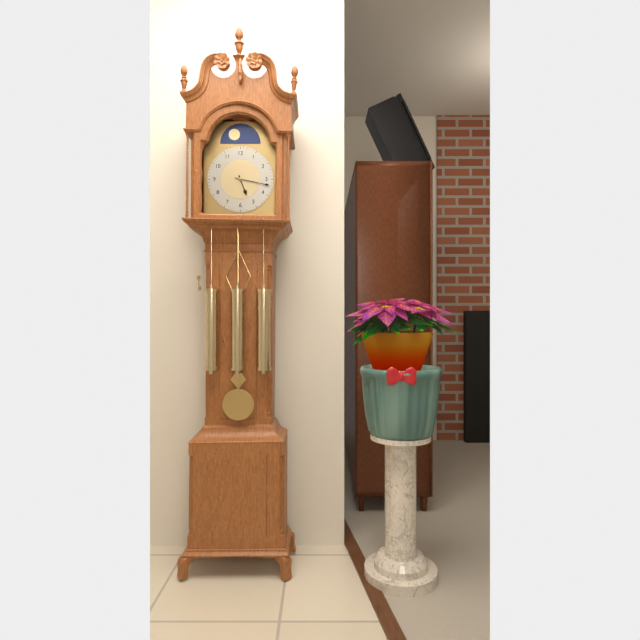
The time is 5:17
